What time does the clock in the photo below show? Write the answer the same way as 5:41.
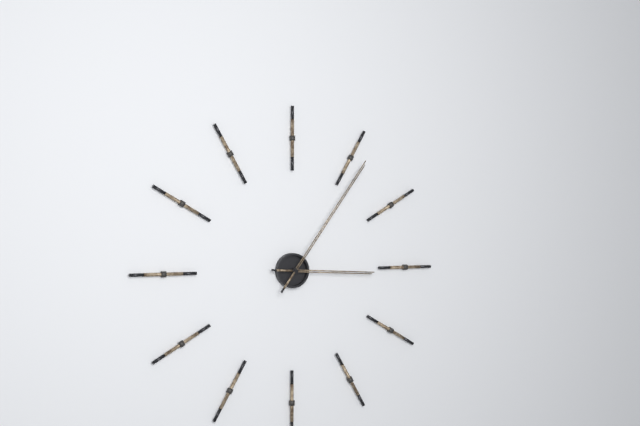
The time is 3:06
